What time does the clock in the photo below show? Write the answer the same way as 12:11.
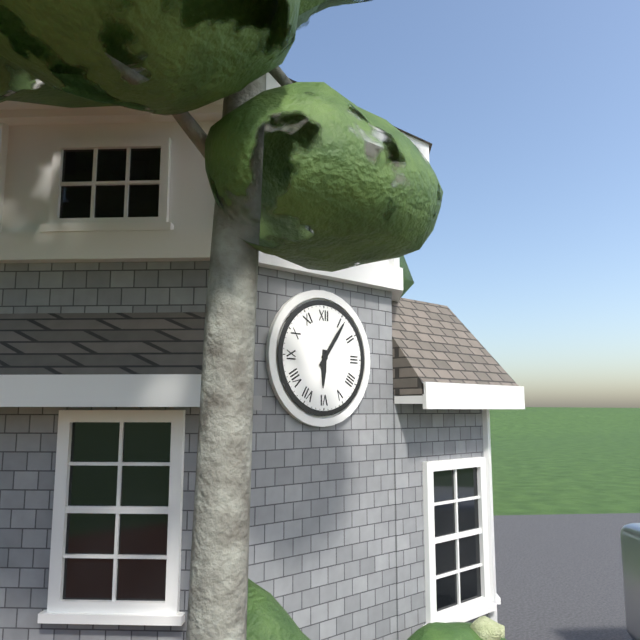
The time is 6:06
